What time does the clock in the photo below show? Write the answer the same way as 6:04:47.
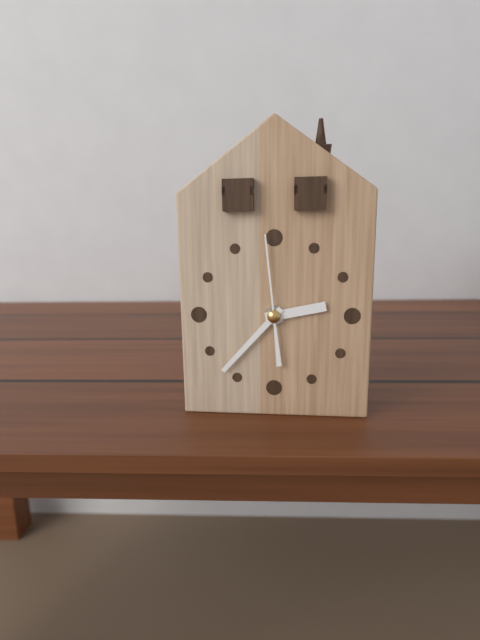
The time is 2:37:59
